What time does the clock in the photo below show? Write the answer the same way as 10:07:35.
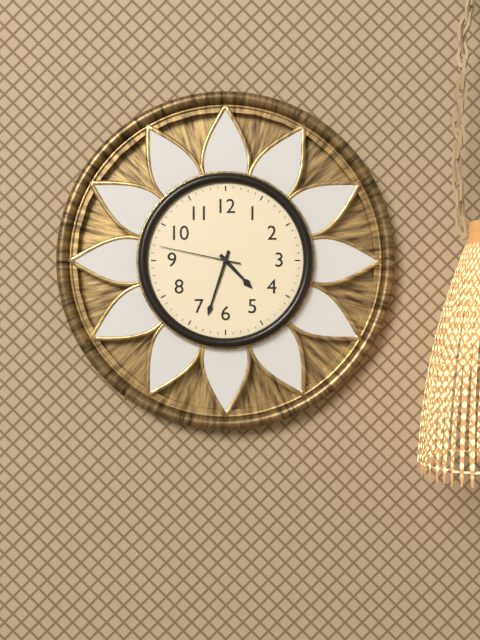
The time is 4:33:47
